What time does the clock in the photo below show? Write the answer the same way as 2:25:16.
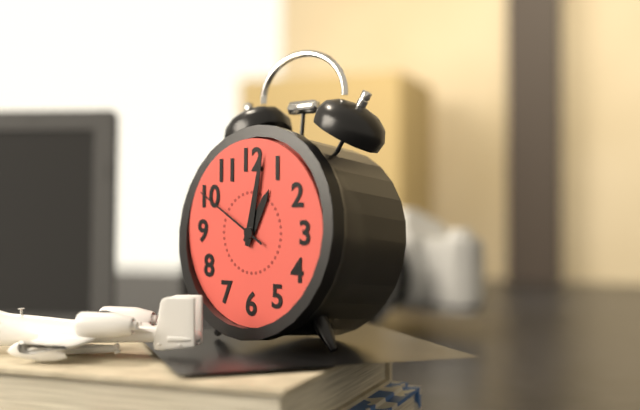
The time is 1:02:50
